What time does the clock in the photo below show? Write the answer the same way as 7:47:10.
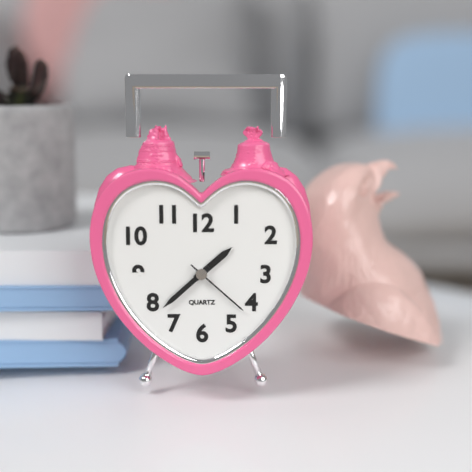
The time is 1:38:22
